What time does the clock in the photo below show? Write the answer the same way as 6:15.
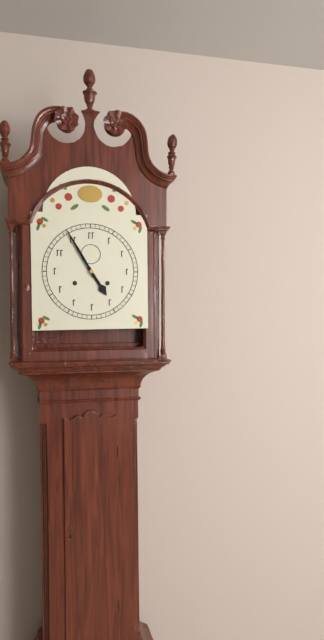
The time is 4:55
